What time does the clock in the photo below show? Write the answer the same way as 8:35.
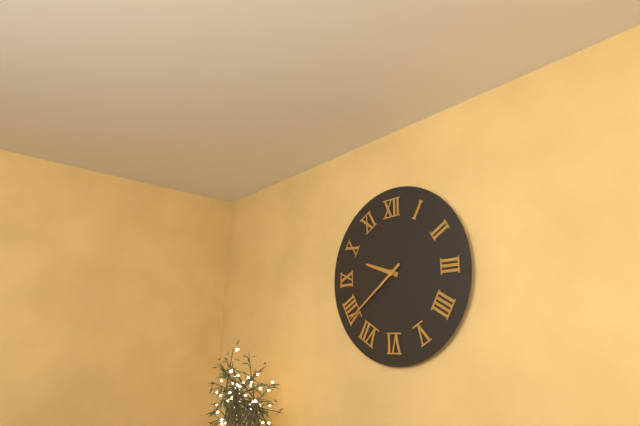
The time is 9:39
